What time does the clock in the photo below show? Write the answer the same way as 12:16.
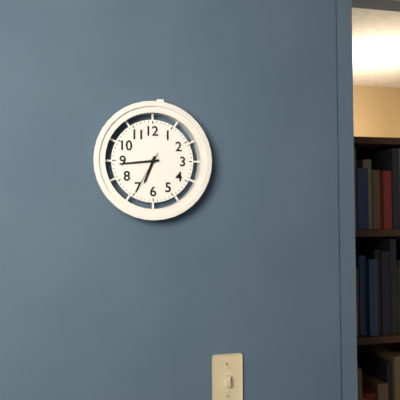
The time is 6:44
